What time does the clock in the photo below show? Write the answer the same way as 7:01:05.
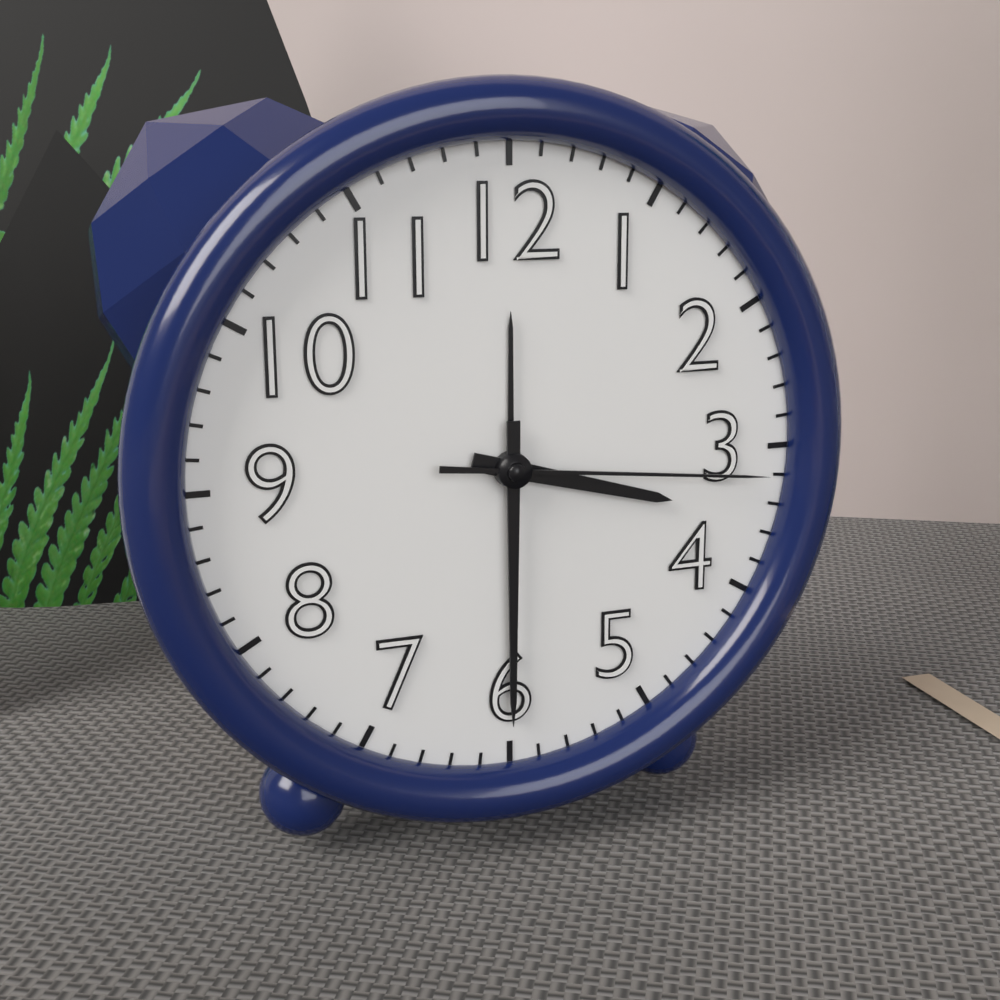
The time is 3:30:16
